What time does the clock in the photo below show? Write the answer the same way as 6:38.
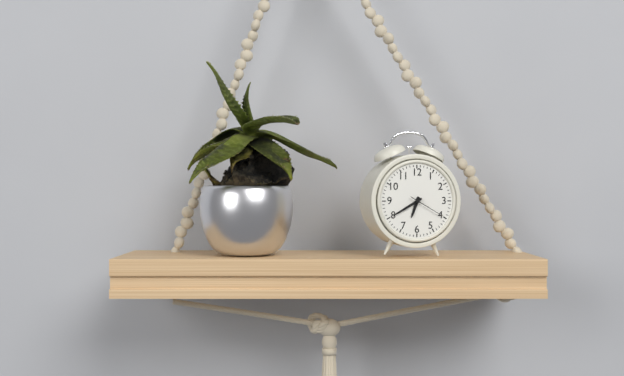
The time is 6:40
